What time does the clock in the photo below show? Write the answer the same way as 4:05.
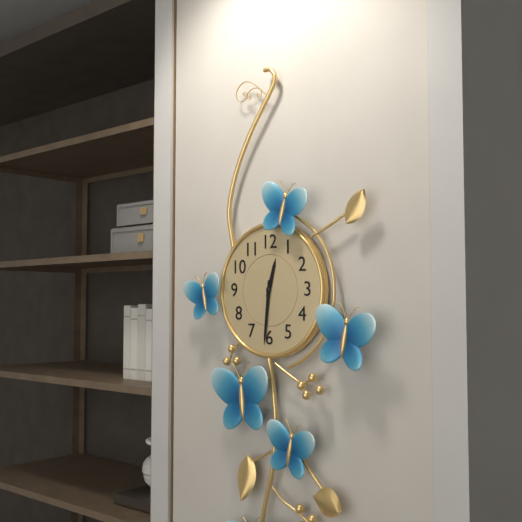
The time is 12:31
